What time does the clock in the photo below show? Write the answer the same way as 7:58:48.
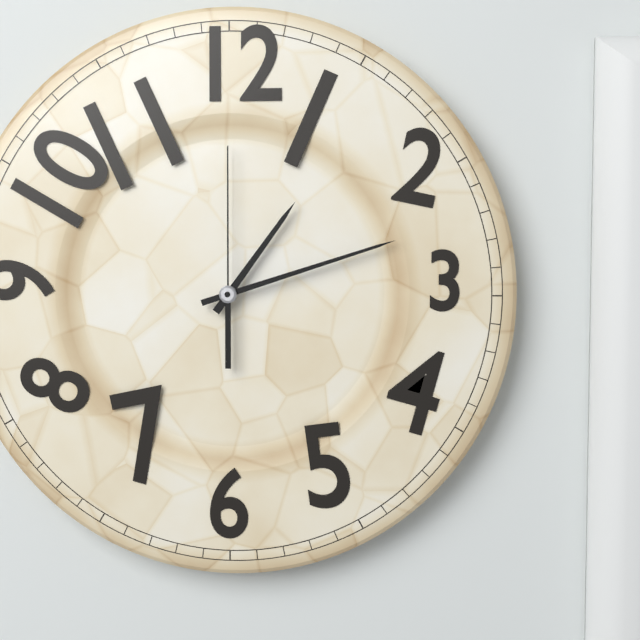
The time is 1:12:00
